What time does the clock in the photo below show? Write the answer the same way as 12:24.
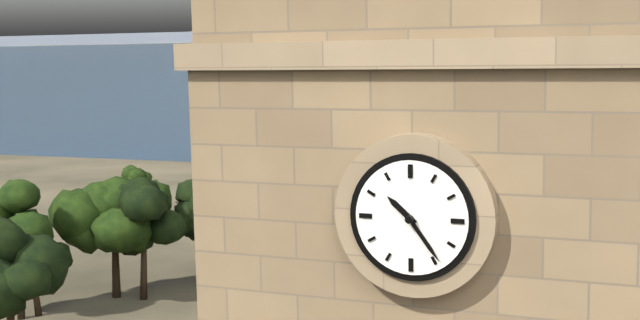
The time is 10:24
